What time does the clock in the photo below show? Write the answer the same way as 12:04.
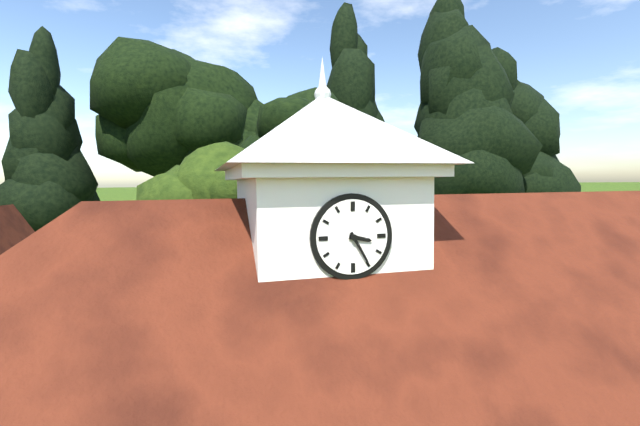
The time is 3:25
